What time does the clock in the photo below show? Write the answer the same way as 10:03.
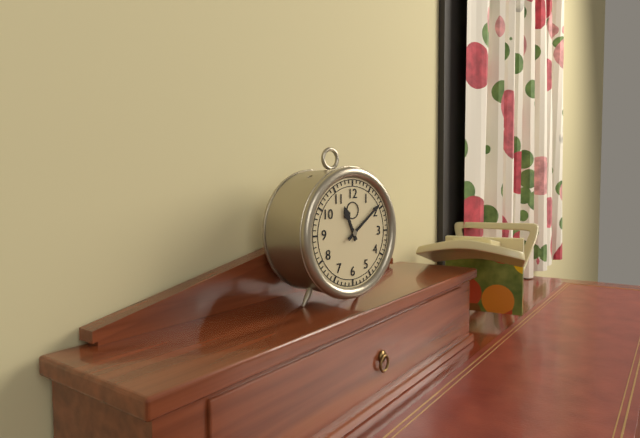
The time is 11:09
